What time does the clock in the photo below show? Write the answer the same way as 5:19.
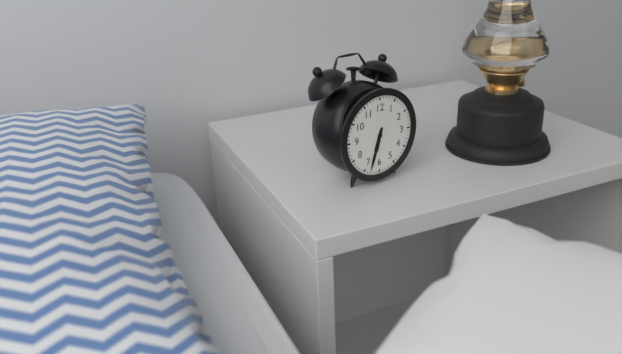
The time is 6:33
